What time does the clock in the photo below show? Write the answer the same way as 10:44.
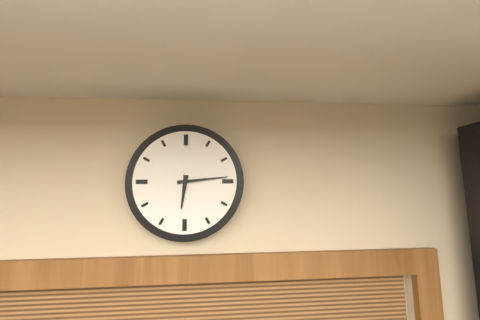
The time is 6:14
